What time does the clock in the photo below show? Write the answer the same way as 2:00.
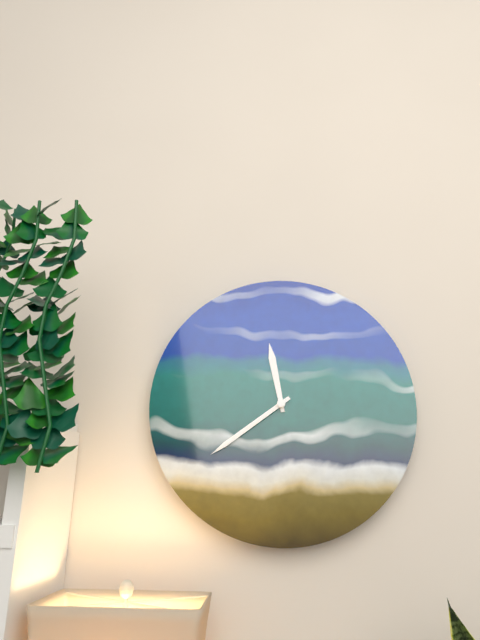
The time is 11:39
